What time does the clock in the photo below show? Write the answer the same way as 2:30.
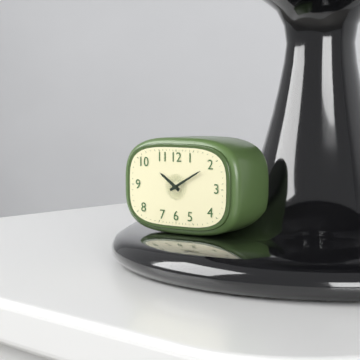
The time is 10:10
